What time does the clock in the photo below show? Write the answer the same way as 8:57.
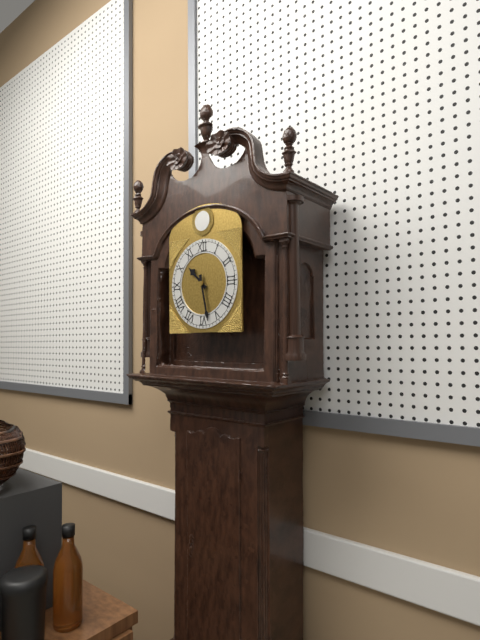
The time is 10:28
